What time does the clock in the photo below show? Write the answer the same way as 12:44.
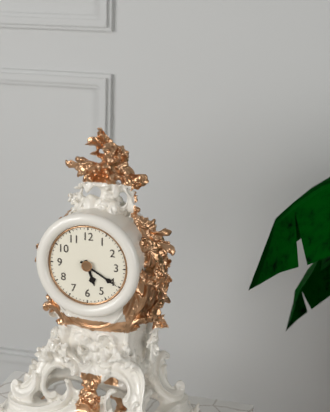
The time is 5:20
